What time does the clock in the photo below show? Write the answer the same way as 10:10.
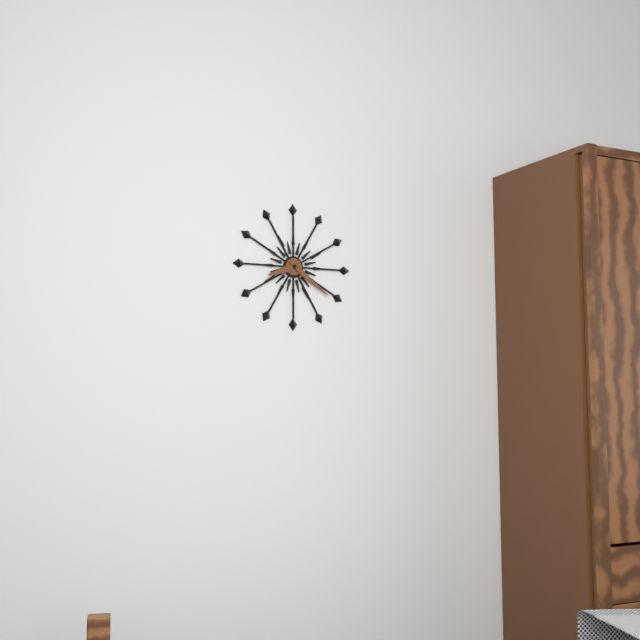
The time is 8:21
